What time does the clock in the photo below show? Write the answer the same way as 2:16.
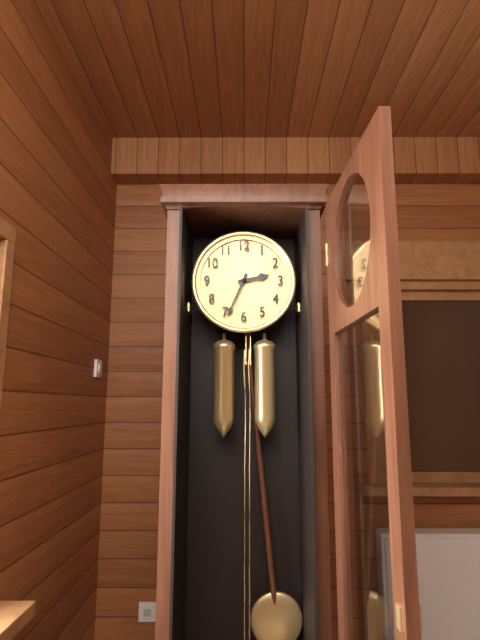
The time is 2:34
